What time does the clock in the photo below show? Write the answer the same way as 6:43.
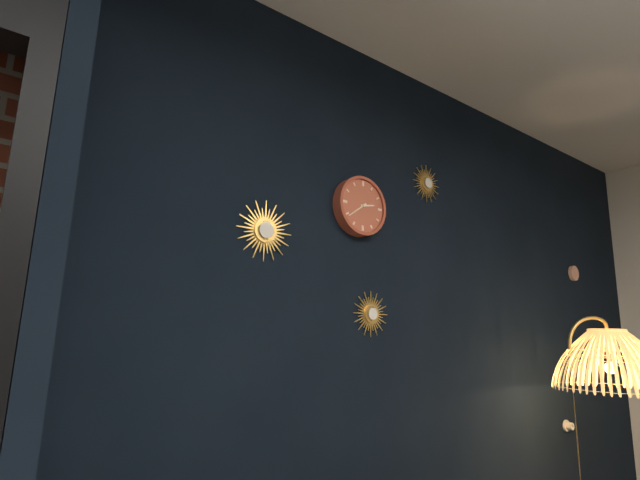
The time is 2:39
